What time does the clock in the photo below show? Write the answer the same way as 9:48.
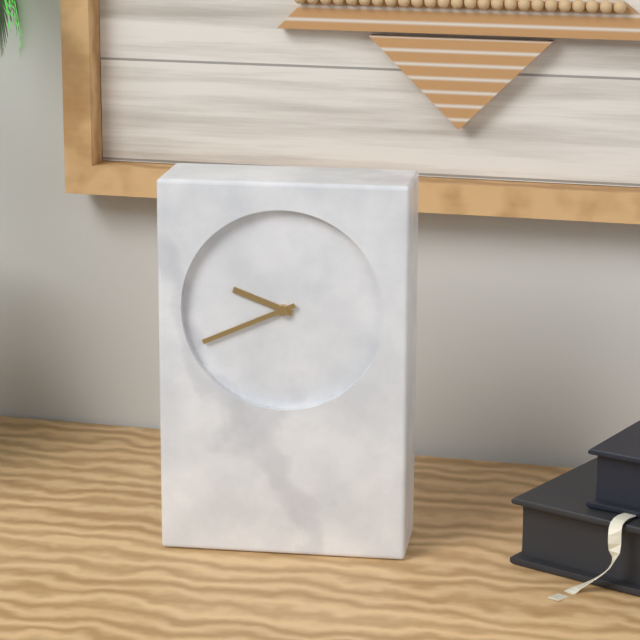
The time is 9:41
